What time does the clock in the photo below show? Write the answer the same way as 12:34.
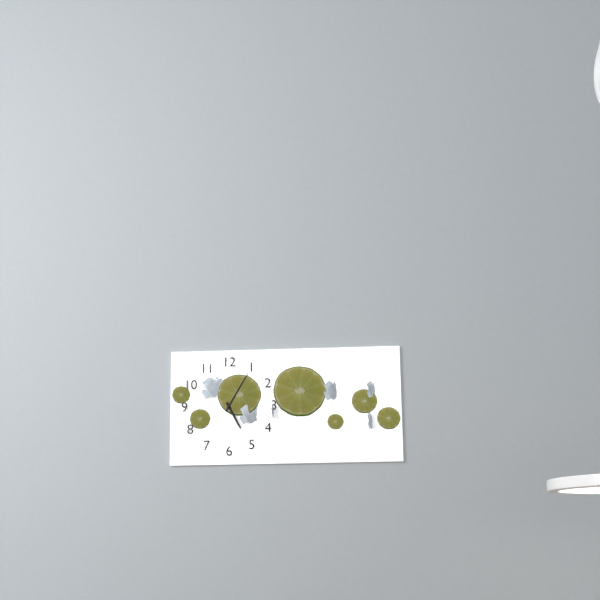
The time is 5:05
